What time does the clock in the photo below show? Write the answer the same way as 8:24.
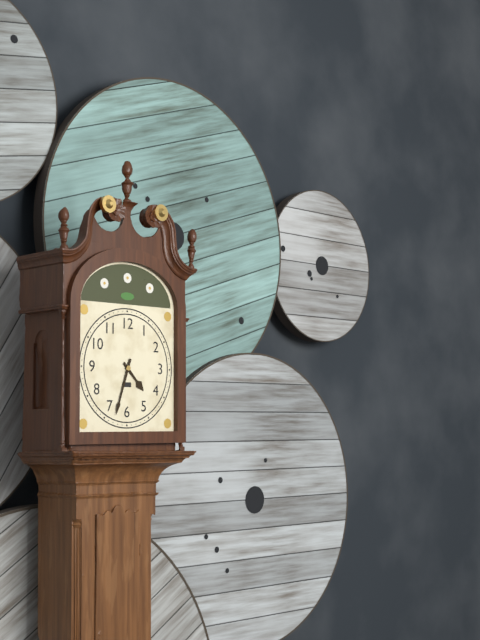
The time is 4:33
